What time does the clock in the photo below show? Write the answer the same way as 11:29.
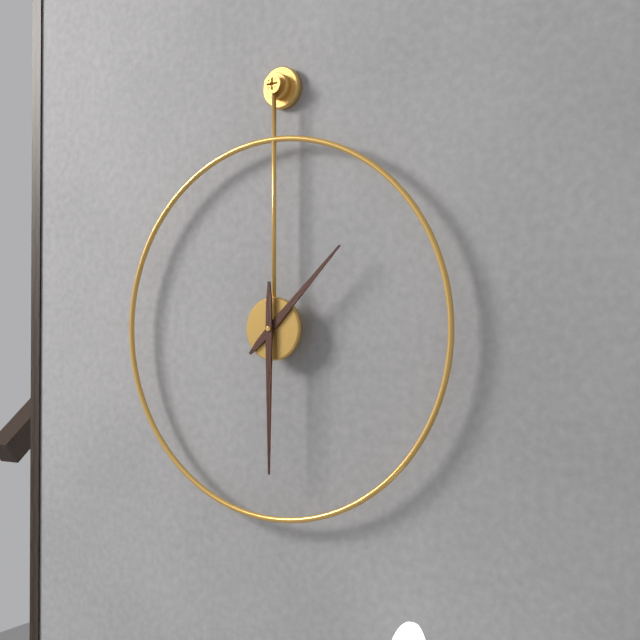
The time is 1:30
